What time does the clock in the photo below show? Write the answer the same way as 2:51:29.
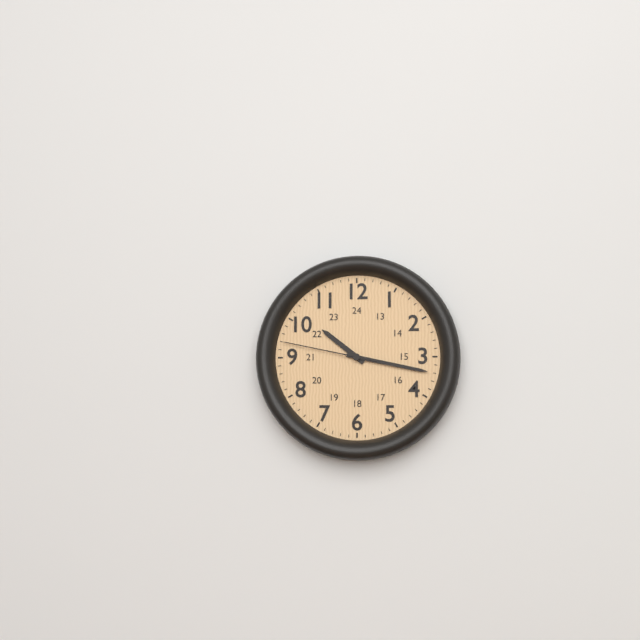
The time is 10:17:47
